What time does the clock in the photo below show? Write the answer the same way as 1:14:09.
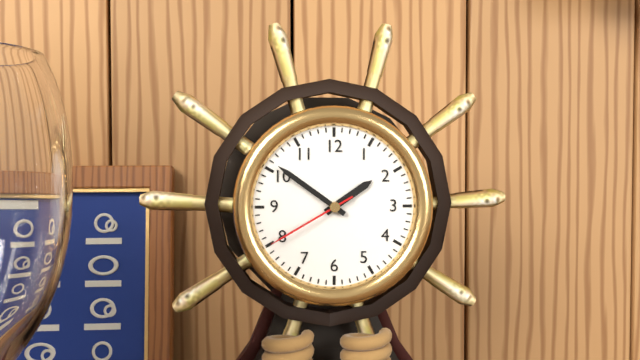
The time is 1:51:40
